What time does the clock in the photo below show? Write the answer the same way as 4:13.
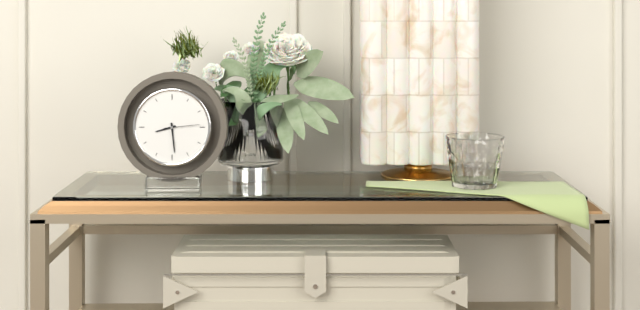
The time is 8:29
